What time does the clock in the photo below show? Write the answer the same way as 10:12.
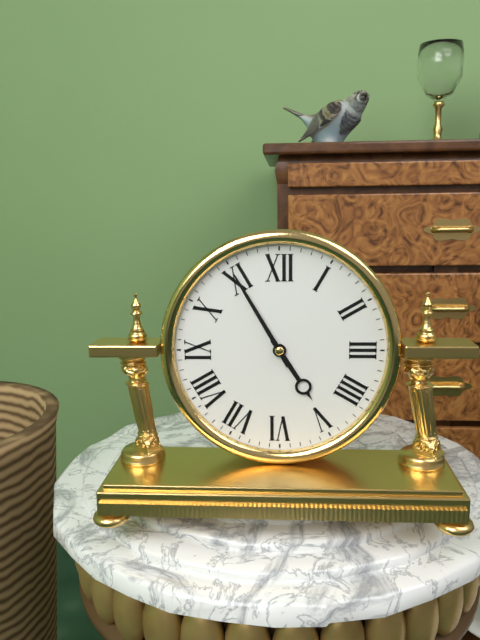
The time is 4:55
